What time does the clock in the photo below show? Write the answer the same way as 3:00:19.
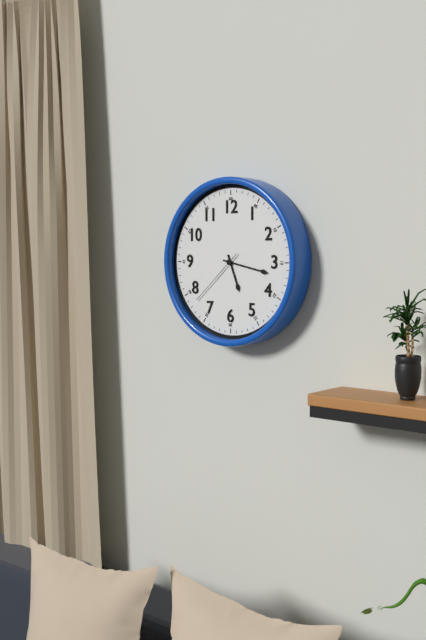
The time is 5:17:38
